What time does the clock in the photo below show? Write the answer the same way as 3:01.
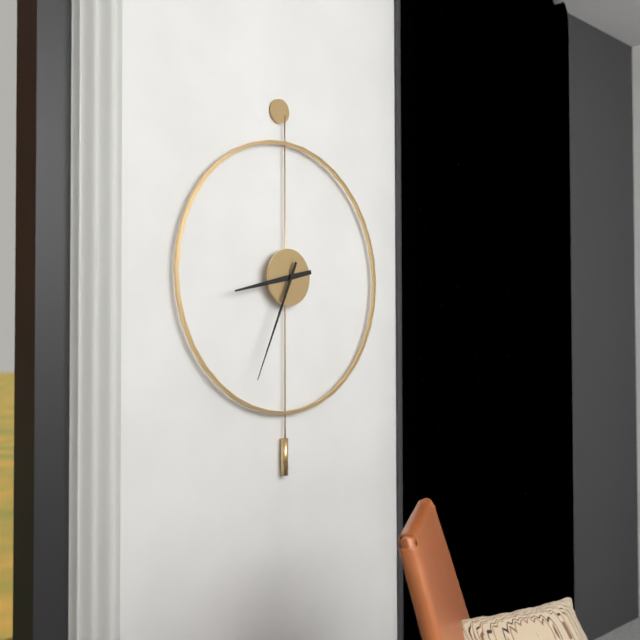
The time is 8:34
